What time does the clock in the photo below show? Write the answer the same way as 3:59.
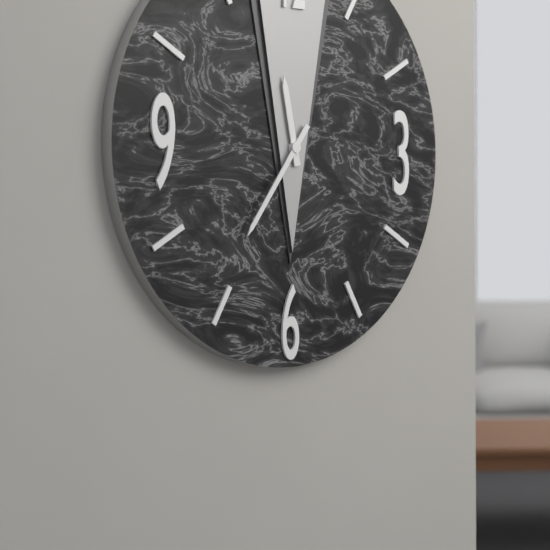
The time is 11:36
